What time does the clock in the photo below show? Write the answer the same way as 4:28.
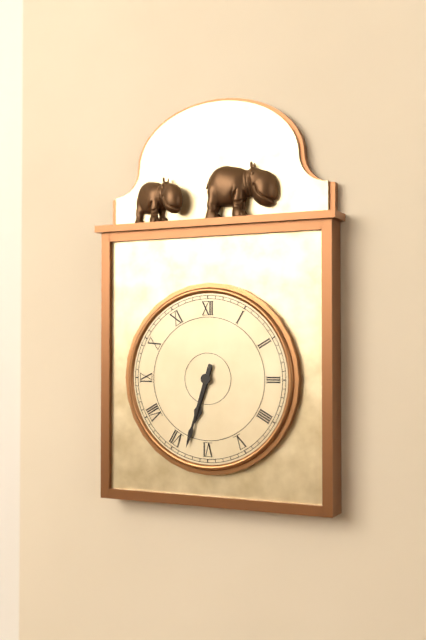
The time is 6:33
